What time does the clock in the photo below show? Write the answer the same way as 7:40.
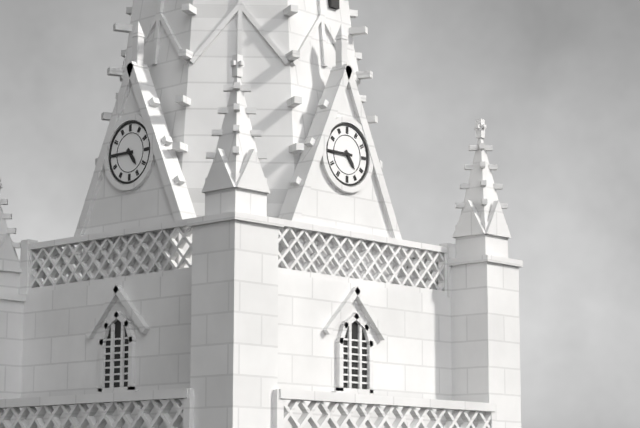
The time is 4:45
